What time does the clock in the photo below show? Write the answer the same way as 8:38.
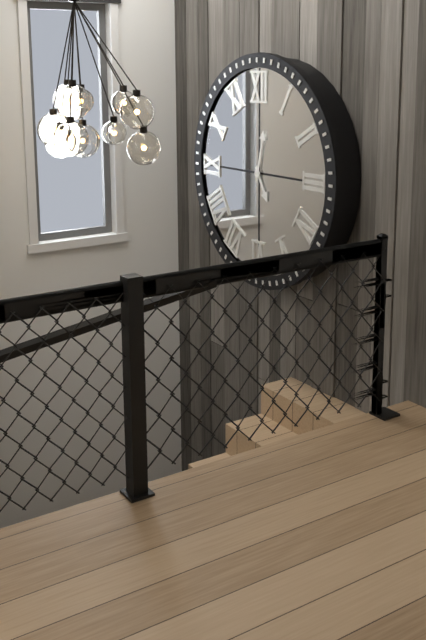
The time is 5:02
